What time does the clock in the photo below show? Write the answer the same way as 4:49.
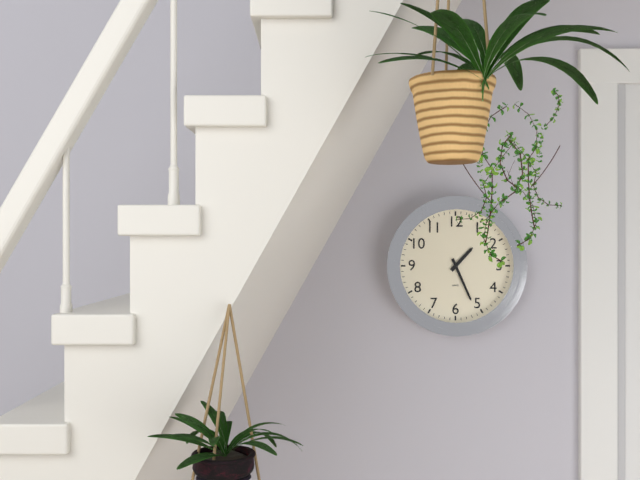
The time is 1:26
